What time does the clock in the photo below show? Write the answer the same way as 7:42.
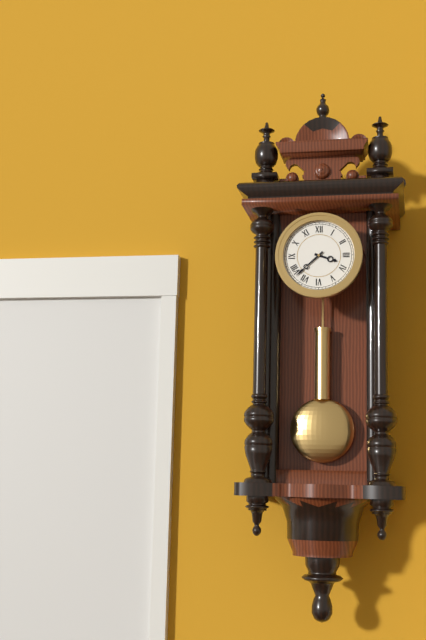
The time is 3:38
